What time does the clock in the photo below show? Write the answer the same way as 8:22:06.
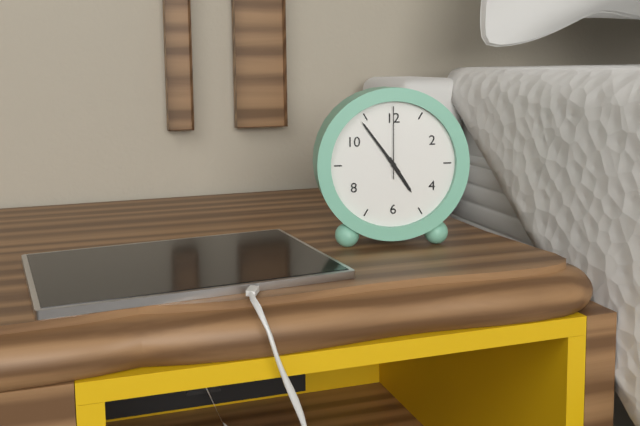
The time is 4:54:00
